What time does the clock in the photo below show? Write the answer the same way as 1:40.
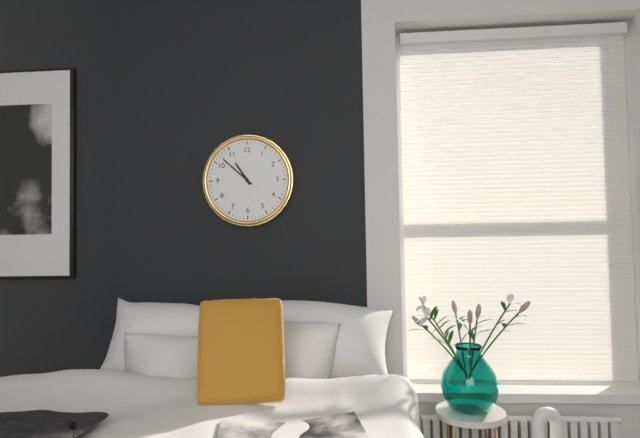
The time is 10:52
